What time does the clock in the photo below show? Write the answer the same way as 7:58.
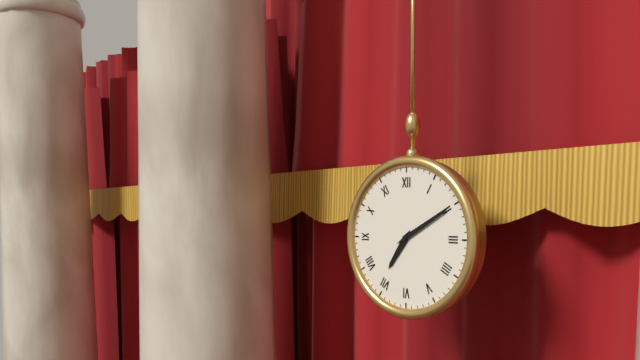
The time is 7:10
